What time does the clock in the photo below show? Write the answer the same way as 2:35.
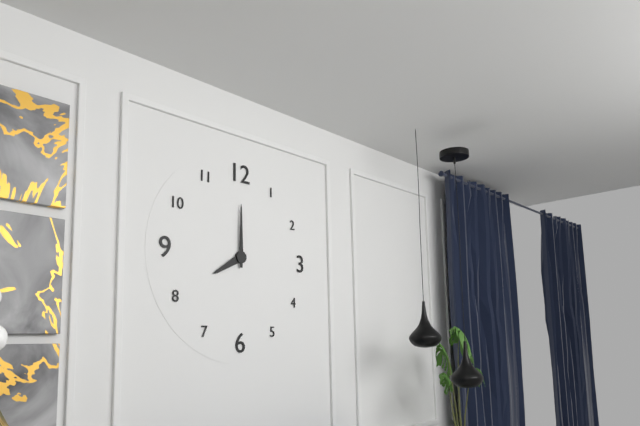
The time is 8:00
